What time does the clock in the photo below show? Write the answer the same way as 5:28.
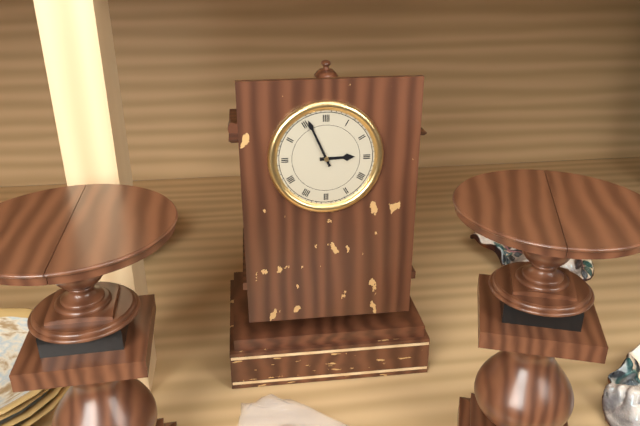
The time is 2:56
